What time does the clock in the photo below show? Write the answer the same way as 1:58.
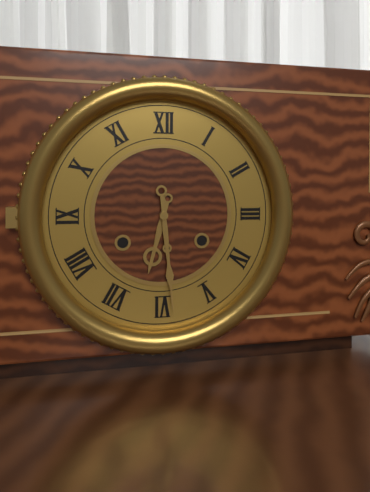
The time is 6:29
